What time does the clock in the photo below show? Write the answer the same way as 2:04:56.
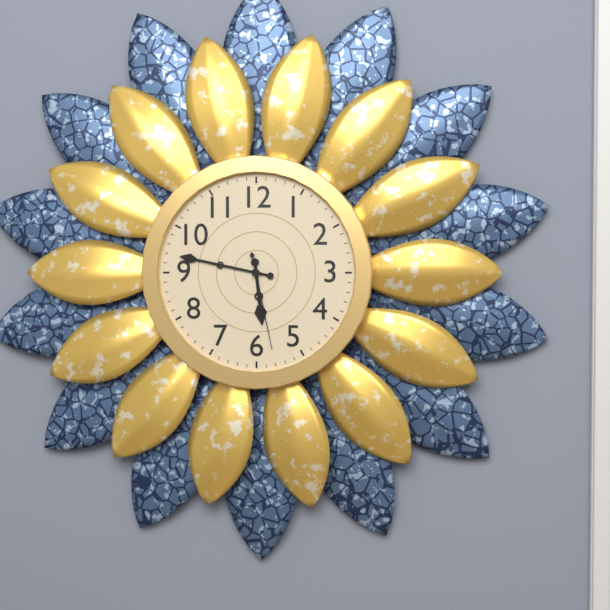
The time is 5:47:28
